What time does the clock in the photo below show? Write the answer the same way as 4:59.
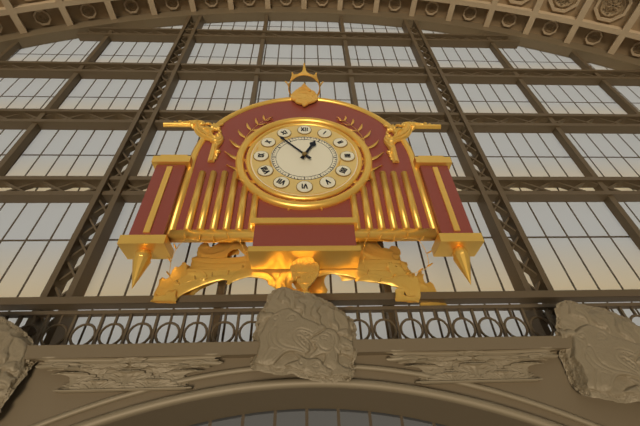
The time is 12:53
